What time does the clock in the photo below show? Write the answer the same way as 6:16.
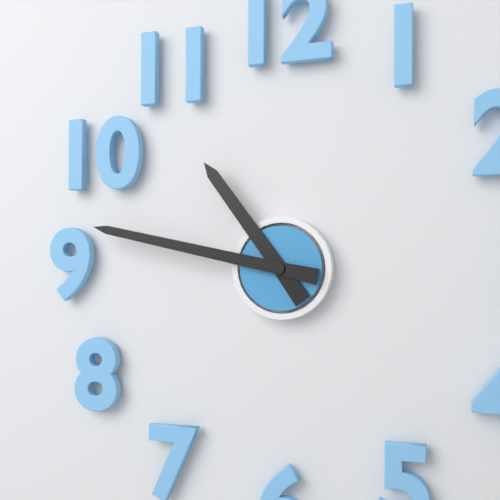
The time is 10:47
